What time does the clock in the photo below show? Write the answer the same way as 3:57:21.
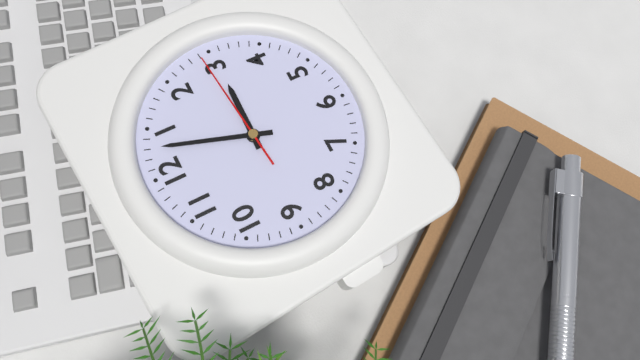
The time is 3:03:14
